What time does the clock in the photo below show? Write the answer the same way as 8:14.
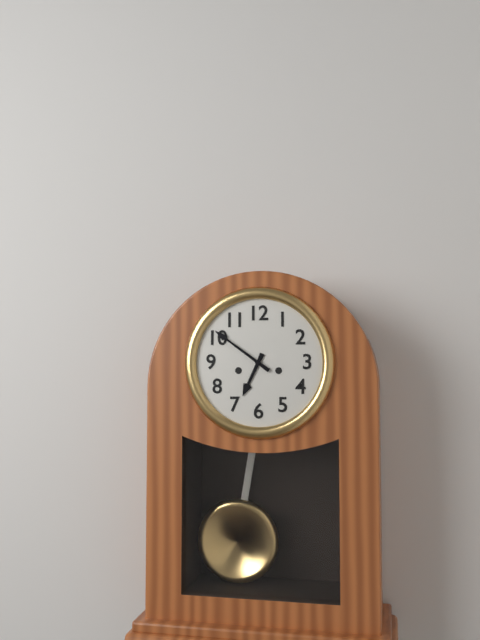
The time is 6:51
